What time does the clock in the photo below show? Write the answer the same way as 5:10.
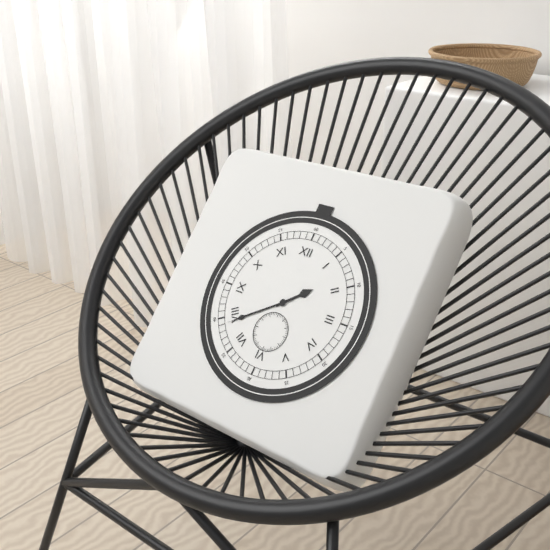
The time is 1:39
